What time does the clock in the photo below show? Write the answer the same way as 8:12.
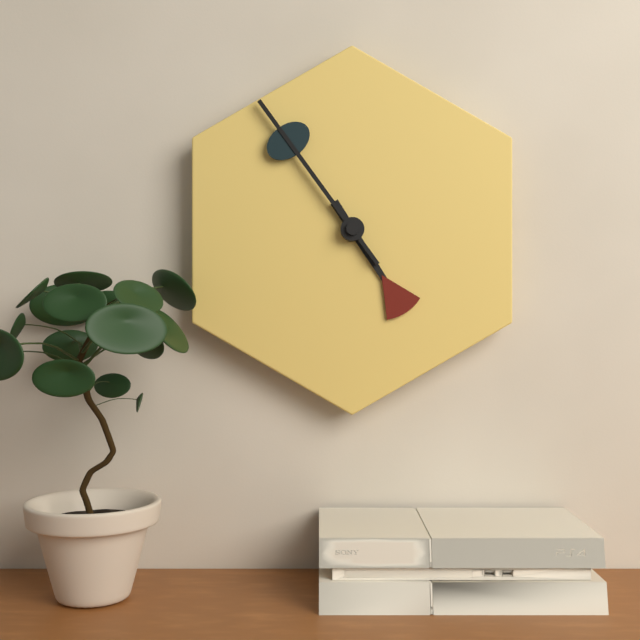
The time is 4:54
